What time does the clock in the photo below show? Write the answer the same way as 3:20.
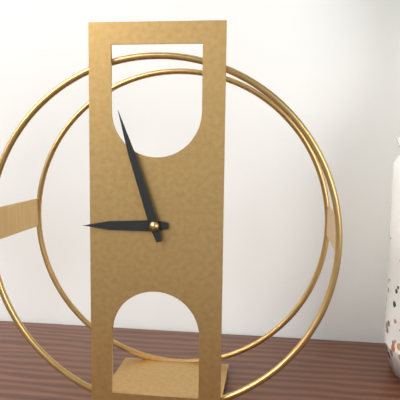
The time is 8:57
